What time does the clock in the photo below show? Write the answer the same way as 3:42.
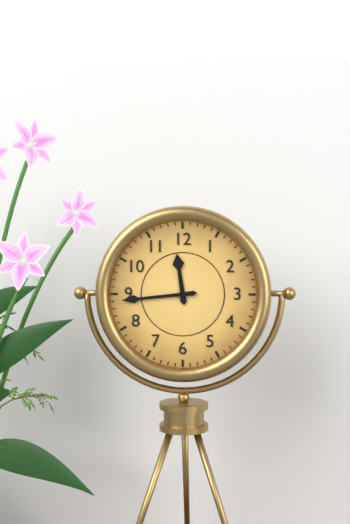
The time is 11:44
